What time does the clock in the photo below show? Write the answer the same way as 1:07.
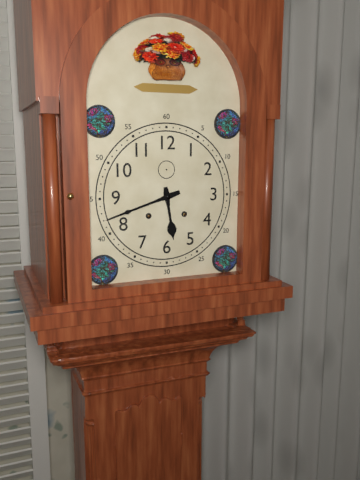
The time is 5:42
